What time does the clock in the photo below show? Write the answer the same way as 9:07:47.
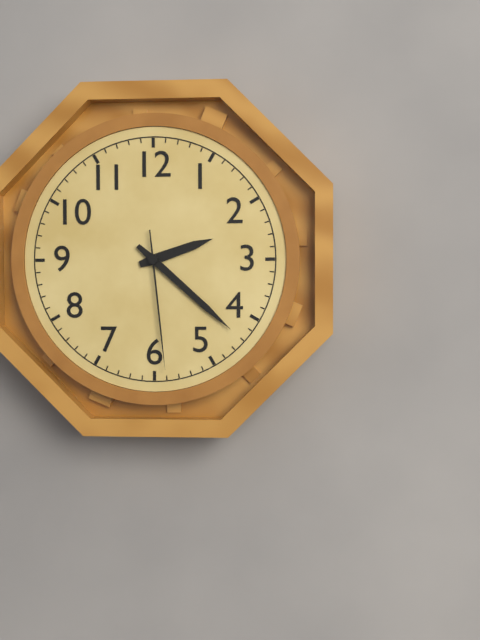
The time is 2:22:29
